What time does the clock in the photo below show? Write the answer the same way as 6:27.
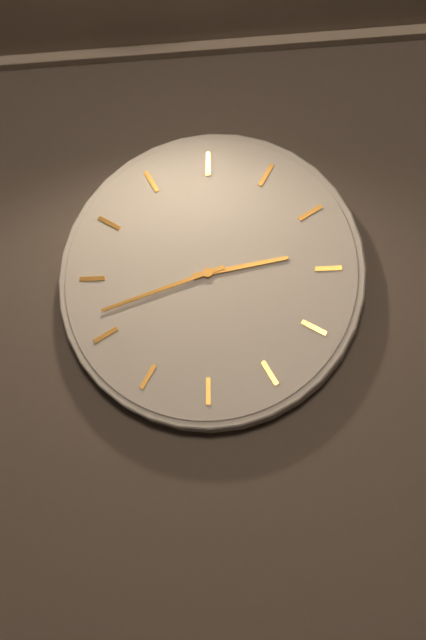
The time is 2:42
